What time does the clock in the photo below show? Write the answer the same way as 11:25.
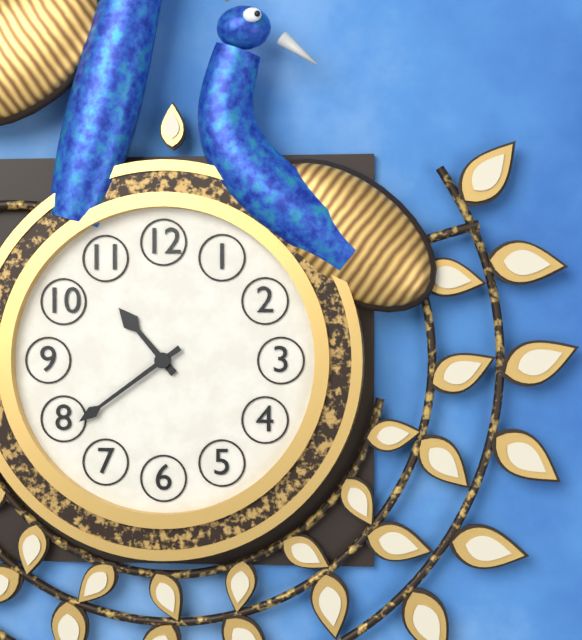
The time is 10:39
